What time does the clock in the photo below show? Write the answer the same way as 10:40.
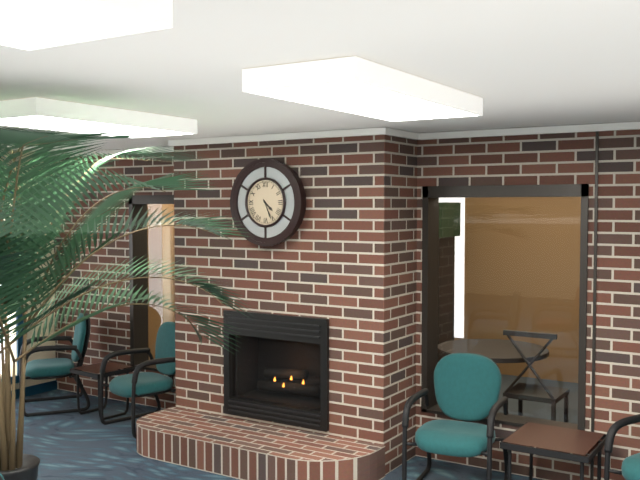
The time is 4:26
